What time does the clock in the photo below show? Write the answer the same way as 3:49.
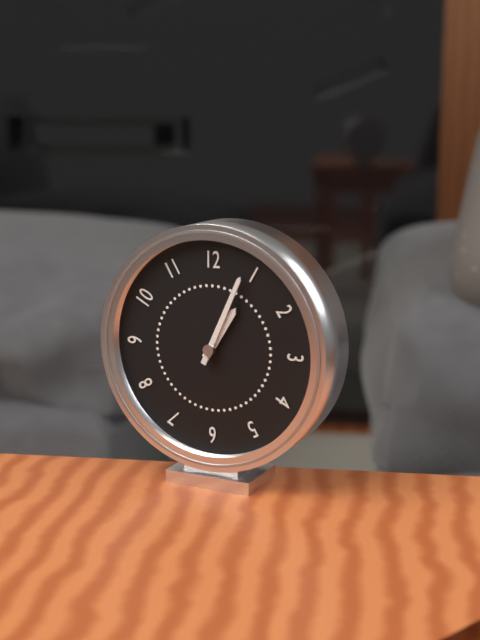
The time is 1:04
